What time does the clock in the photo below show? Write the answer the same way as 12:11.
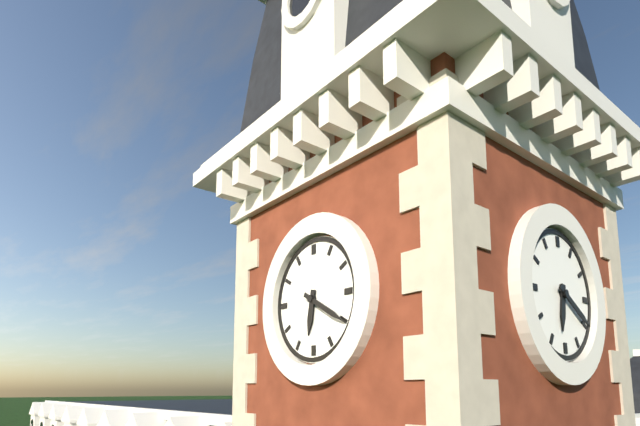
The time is 6:20
